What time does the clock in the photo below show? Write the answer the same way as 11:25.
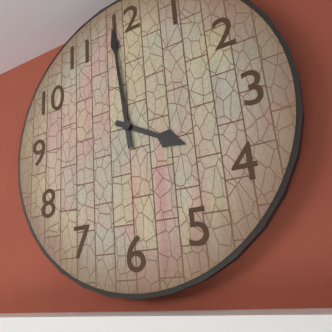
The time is 3:59
